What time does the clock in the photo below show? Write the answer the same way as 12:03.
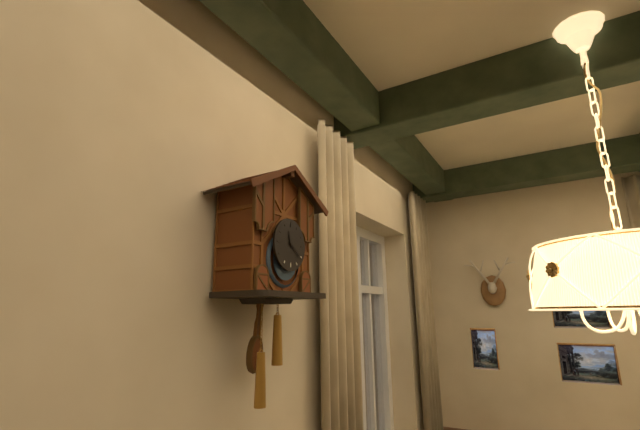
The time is 11:21
